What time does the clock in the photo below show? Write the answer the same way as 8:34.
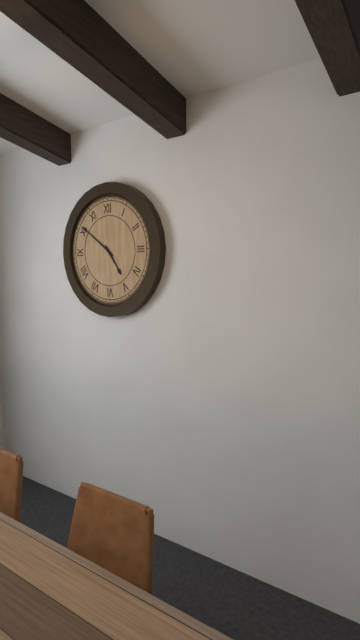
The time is 4:51
